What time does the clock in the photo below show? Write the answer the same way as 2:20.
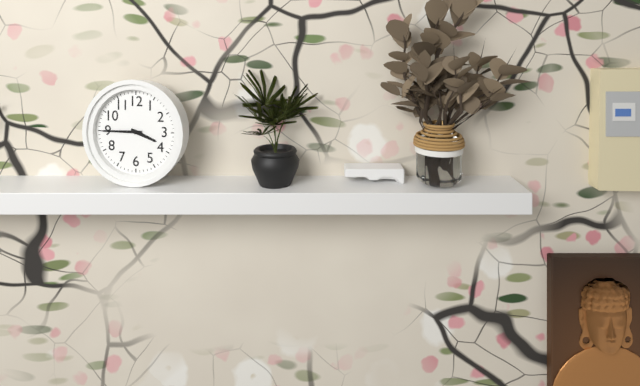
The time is 3:45
